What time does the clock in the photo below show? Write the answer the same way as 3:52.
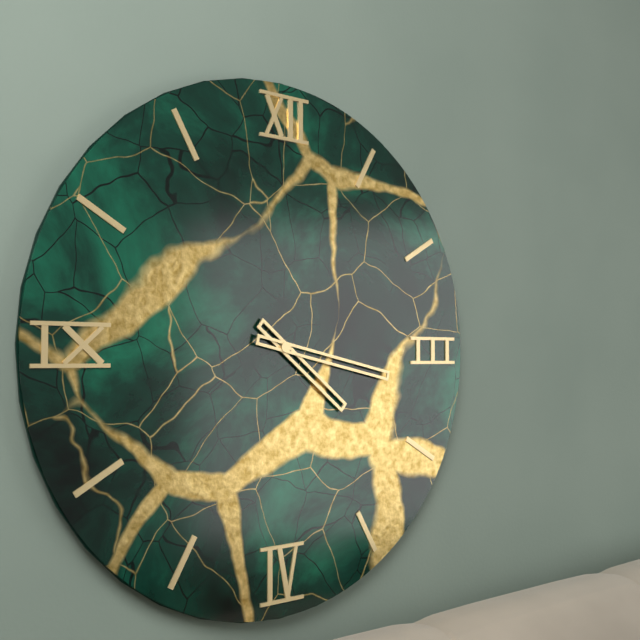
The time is 4:17
